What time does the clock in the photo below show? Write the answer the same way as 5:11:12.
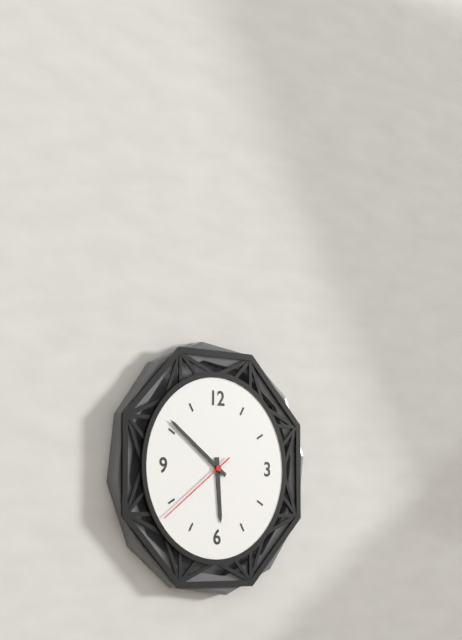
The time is 5:51:39
